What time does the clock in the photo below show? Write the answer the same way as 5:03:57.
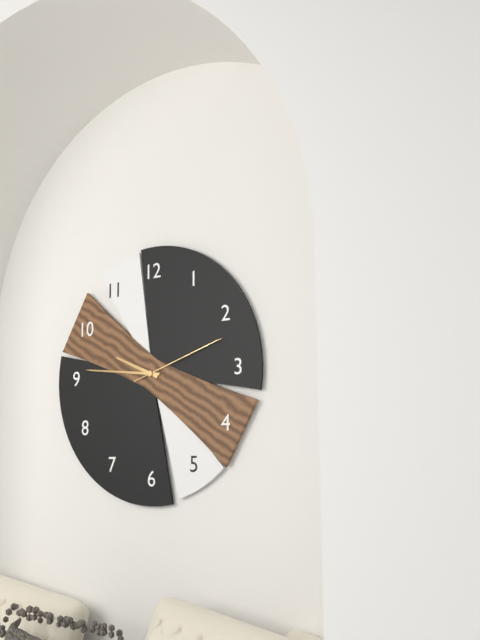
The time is 9:46:12
